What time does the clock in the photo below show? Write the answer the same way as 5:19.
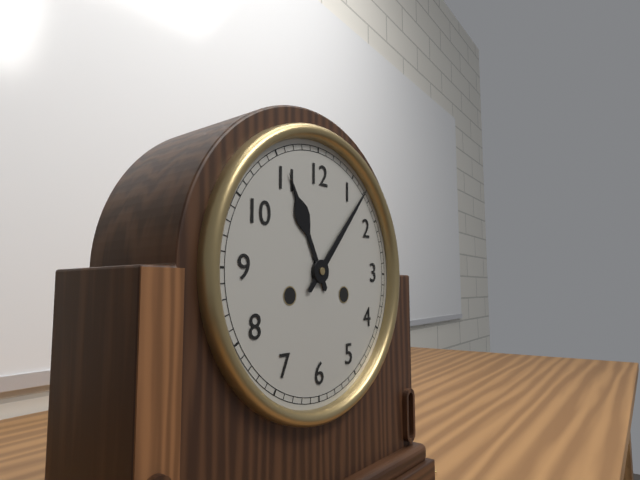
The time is 11:07
